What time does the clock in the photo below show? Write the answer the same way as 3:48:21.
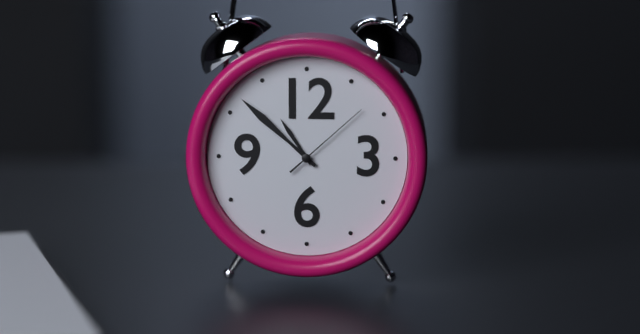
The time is 10:52:08
